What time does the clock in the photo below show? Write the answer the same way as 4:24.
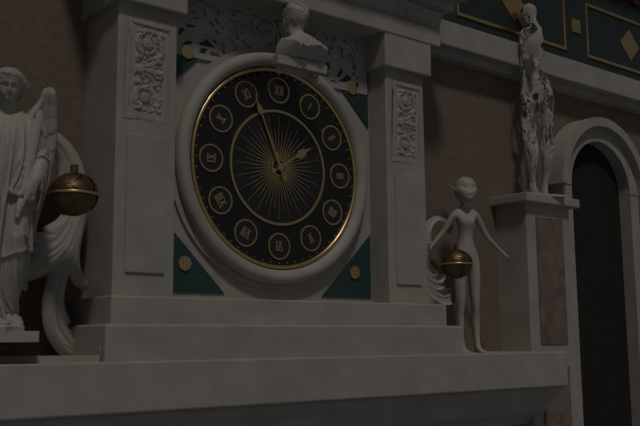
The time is 1:56
